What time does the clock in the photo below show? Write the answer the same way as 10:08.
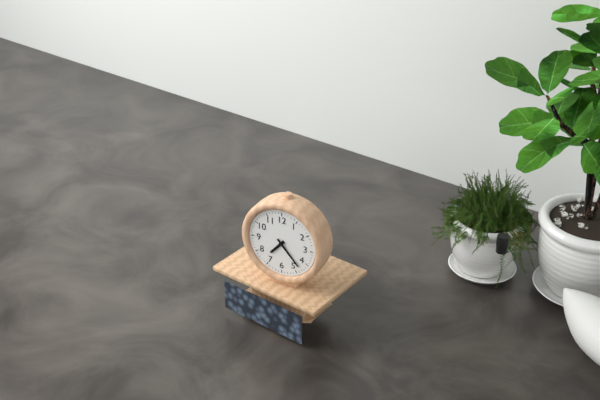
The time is 7:23
